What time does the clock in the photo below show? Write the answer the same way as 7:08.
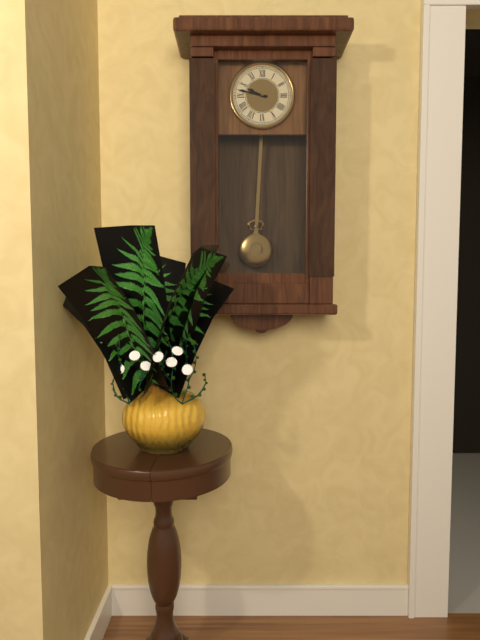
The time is 9:47
